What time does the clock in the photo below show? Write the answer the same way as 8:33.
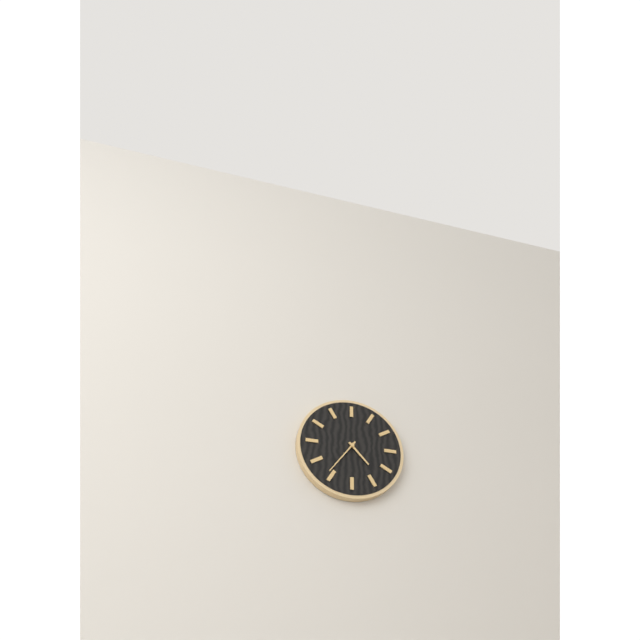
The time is 4:36
